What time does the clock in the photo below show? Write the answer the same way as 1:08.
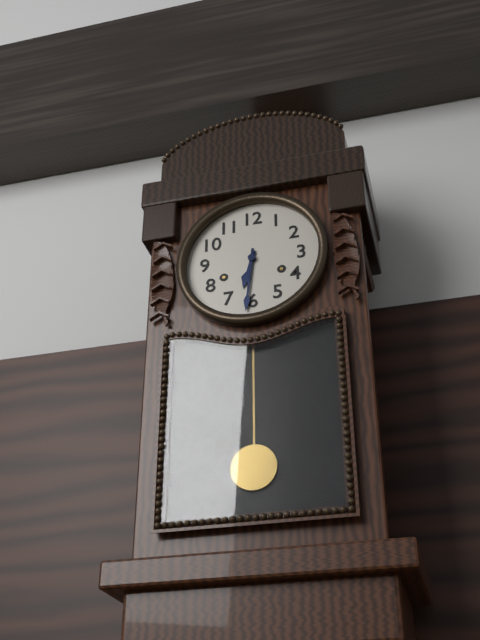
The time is 6:31
